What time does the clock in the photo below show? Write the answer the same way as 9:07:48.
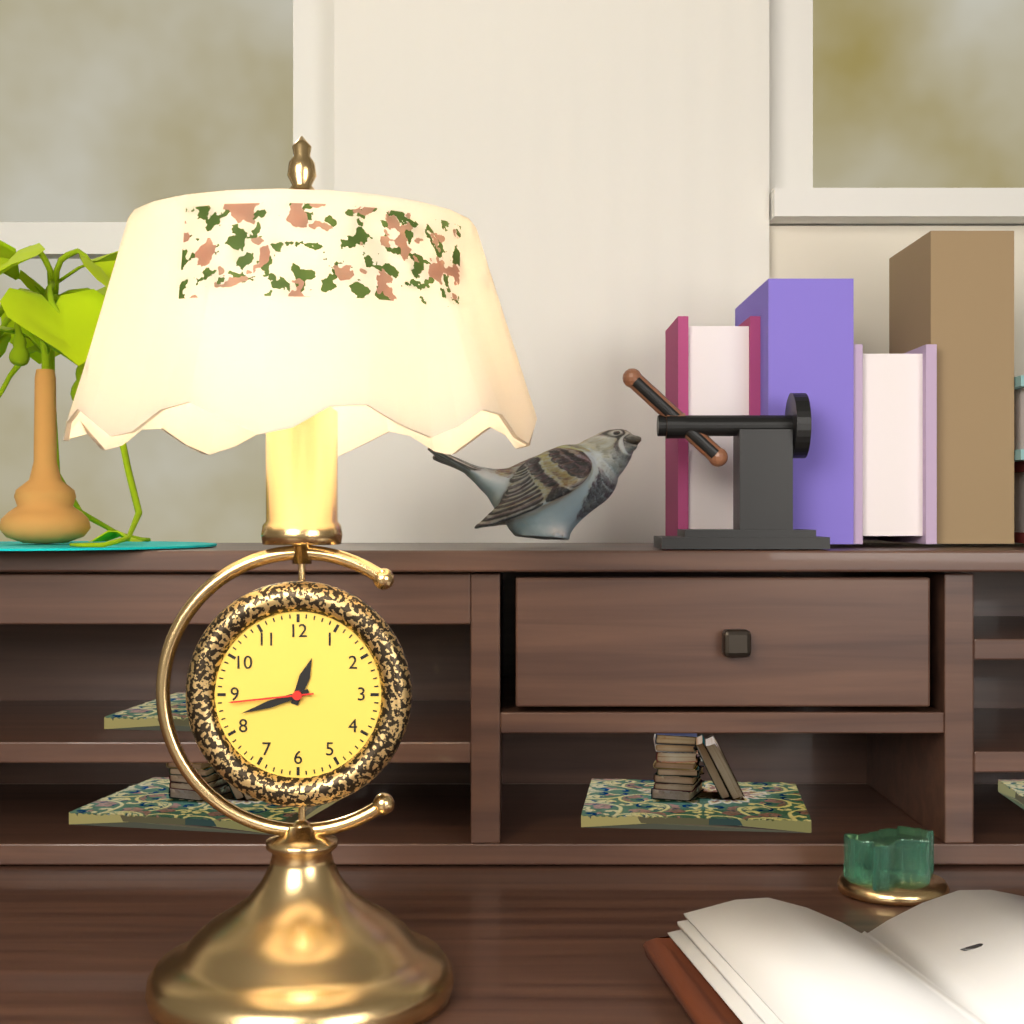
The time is 12:42:44
